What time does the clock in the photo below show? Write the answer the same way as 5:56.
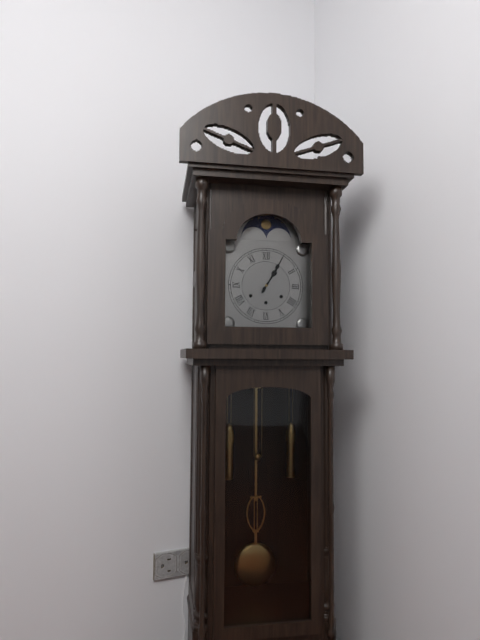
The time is 1:05
